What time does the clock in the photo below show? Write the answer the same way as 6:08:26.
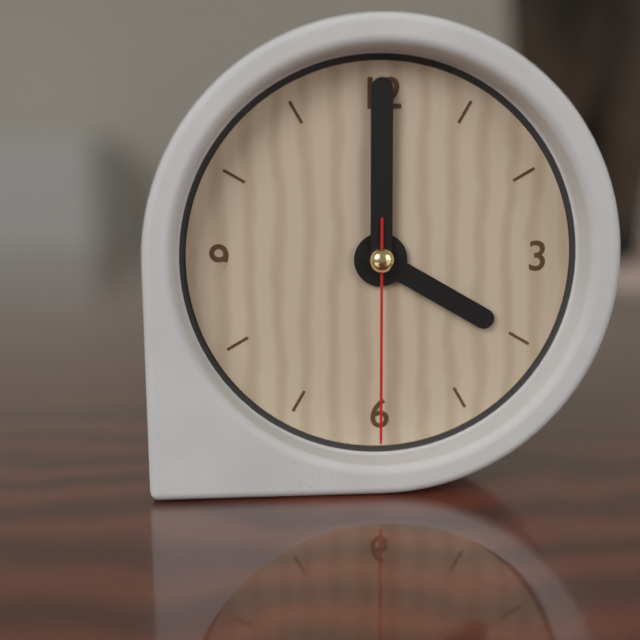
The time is 4:00:30
